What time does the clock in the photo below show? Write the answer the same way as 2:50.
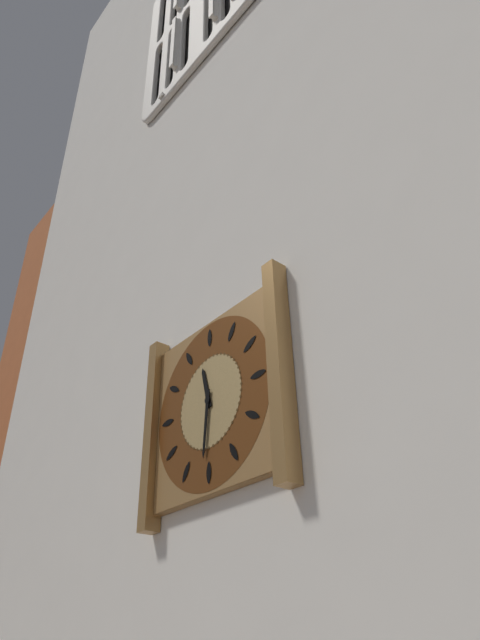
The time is 11:31
